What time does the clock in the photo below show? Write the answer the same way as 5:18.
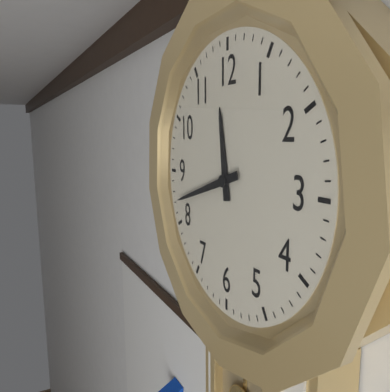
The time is 11:42
